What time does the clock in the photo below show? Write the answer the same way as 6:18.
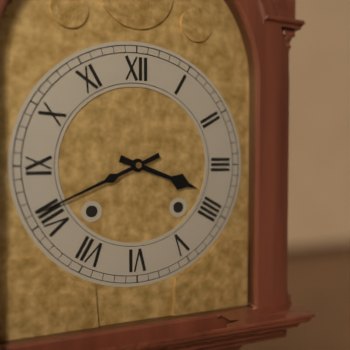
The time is 3:41
